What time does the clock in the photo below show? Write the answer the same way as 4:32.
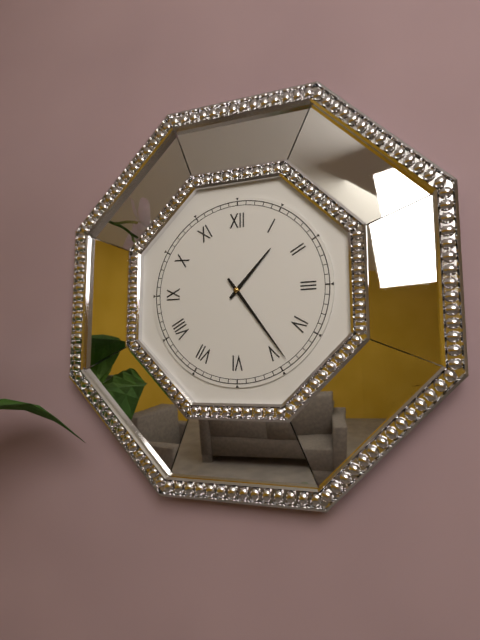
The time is 1:24
